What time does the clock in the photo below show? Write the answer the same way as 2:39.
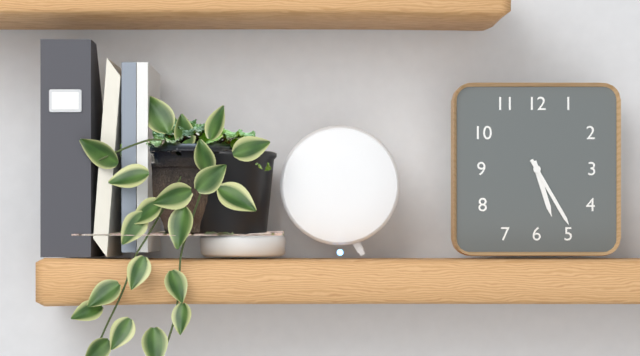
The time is 5:25
